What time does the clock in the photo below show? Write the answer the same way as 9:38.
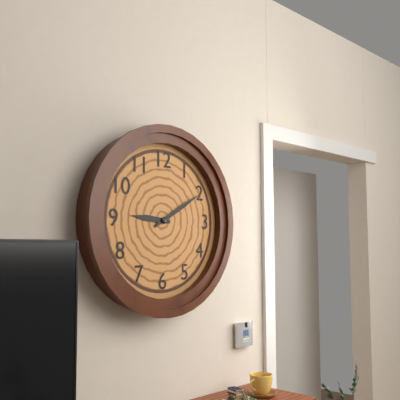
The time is 9:10
